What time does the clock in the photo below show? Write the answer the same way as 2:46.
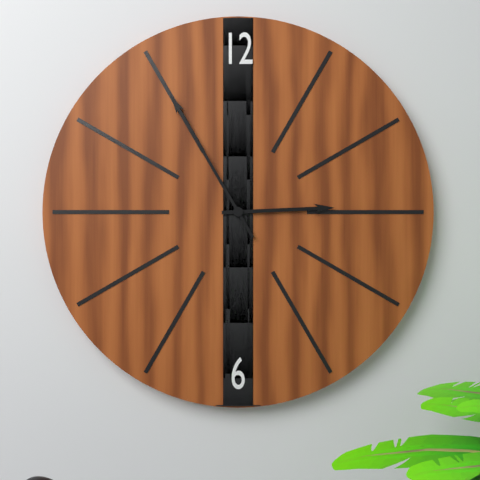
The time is 2:55
